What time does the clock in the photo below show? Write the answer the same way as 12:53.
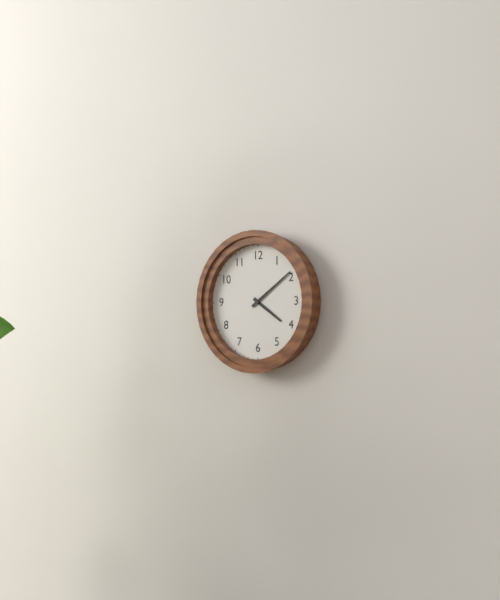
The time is 4:09
